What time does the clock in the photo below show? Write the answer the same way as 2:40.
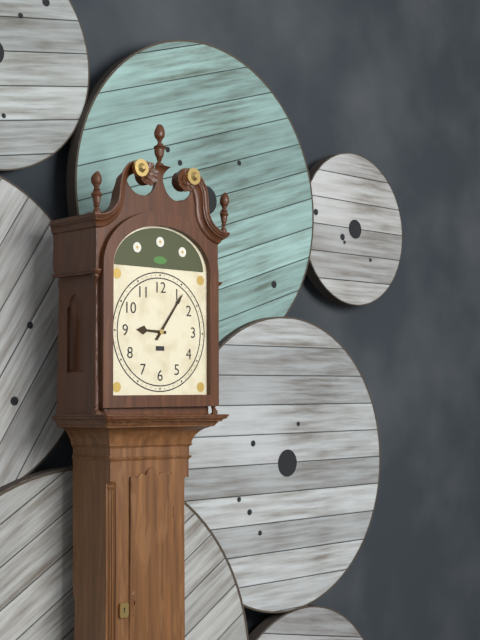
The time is 9:06
